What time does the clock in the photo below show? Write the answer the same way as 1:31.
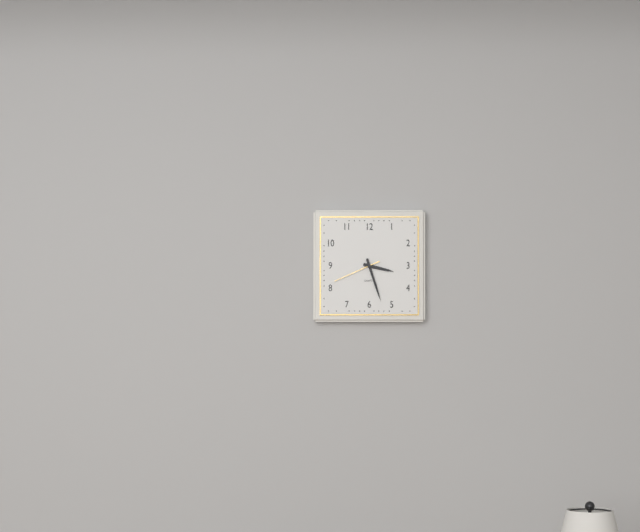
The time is 3:27
